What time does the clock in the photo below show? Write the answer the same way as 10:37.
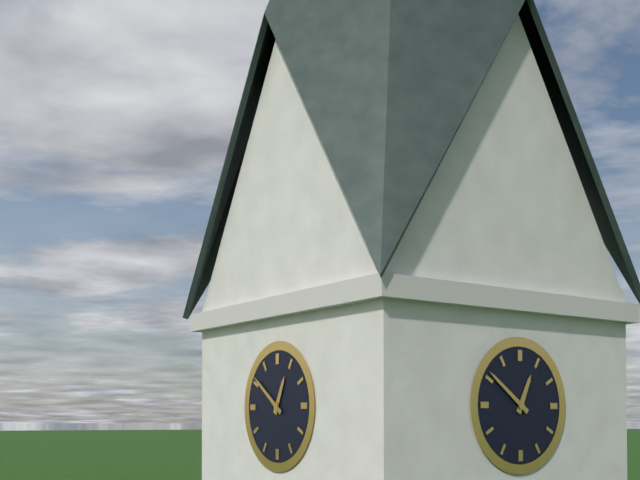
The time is 12:51
